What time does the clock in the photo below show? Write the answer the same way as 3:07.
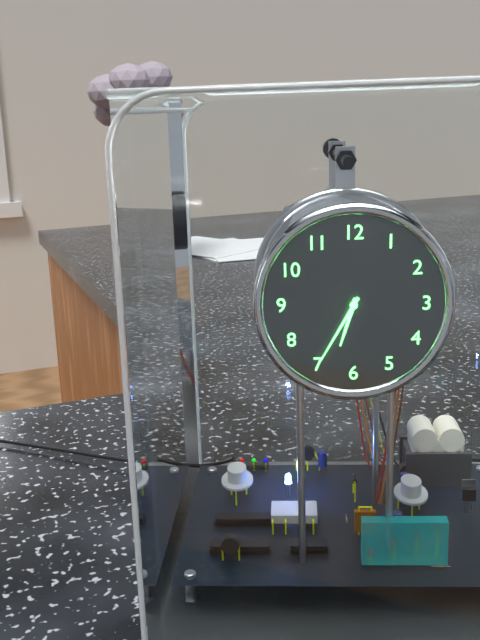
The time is 6:35
